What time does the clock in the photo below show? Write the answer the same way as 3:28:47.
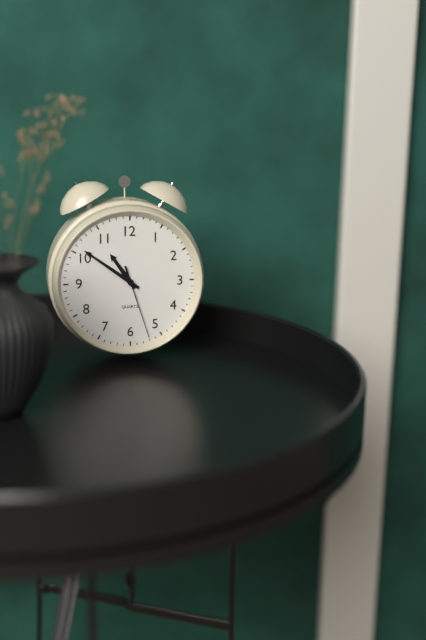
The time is 10:51:27
